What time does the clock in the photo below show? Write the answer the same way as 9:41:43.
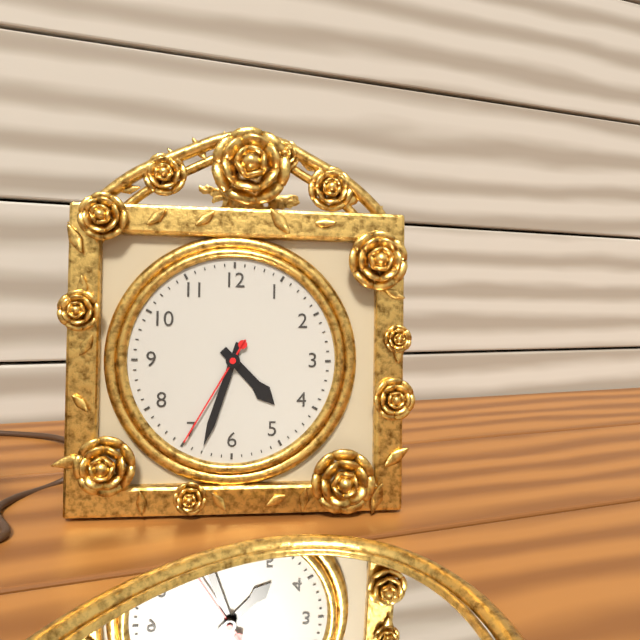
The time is 4:33:35
